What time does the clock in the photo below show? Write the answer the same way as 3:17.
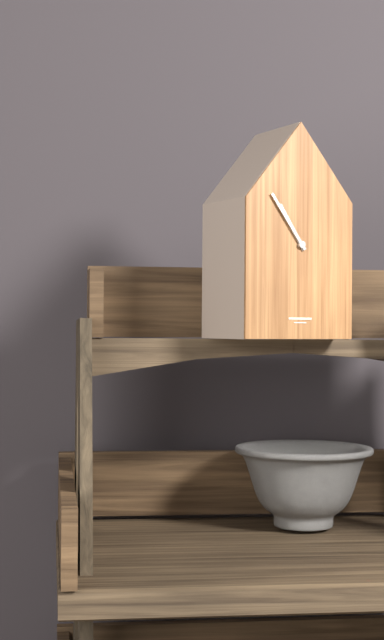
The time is 10:54
